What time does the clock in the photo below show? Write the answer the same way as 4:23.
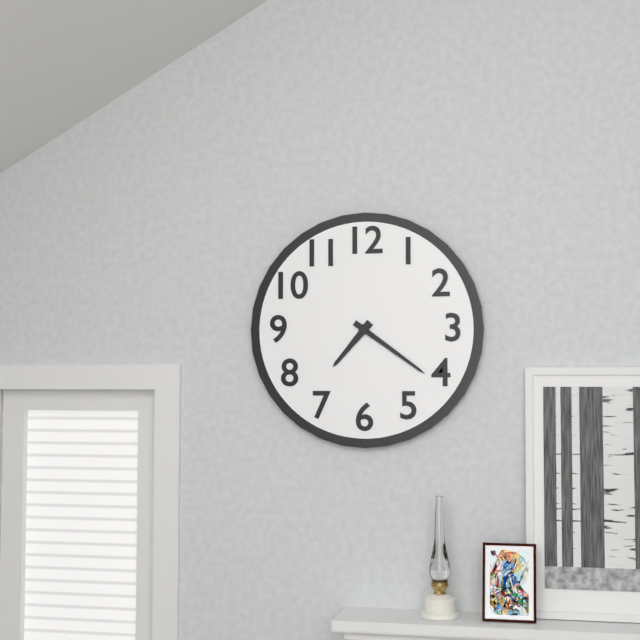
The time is 7:21
